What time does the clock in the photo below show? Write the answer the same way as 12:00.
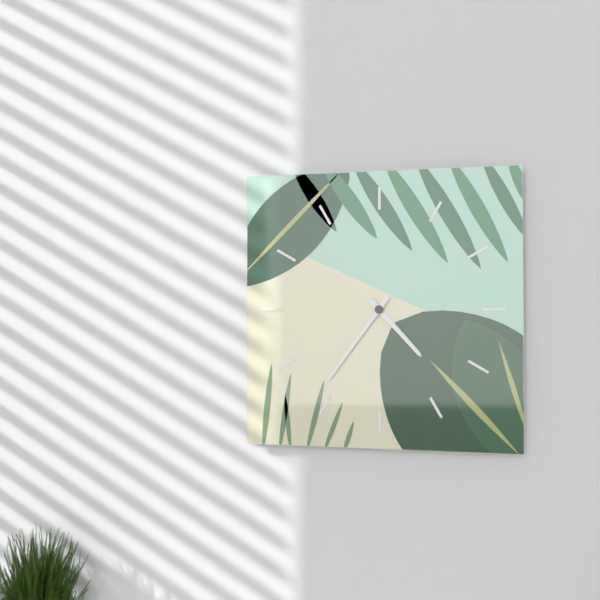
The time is 4:36
